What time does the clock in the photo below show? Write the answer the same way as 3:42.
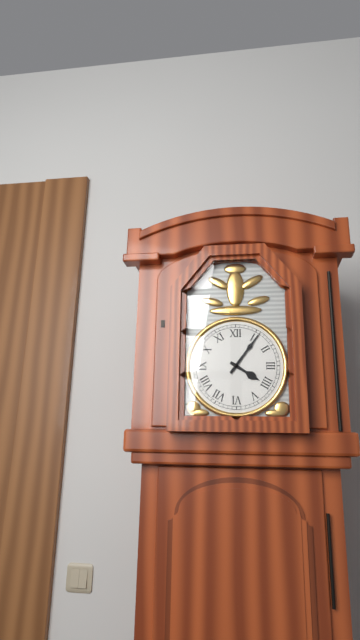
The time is 4:06
